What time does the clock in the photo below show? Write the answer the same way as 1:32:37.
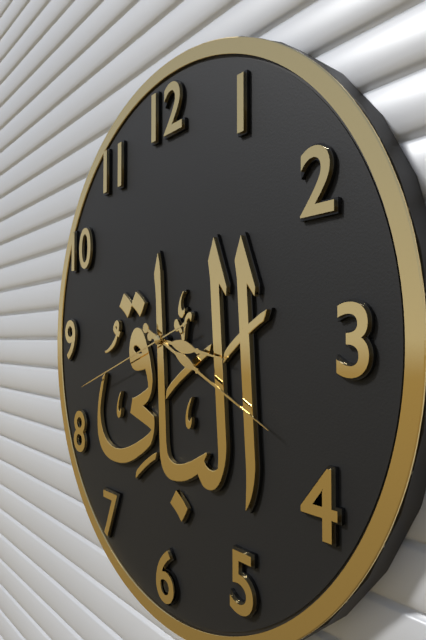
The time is 3:19:42
